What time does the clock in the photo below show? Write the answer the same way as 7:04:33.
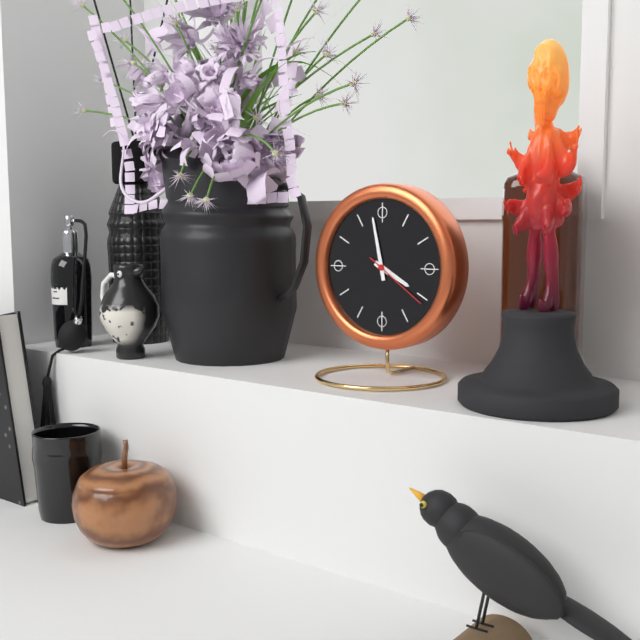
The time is 3:58:21
